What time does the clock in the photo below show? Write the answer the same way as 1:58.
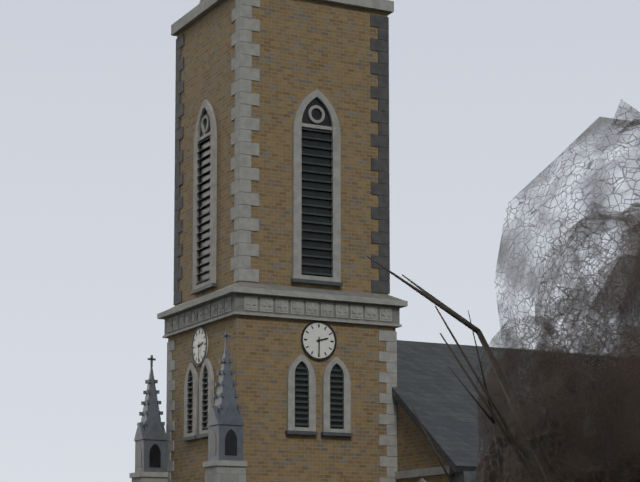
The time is 2:30
